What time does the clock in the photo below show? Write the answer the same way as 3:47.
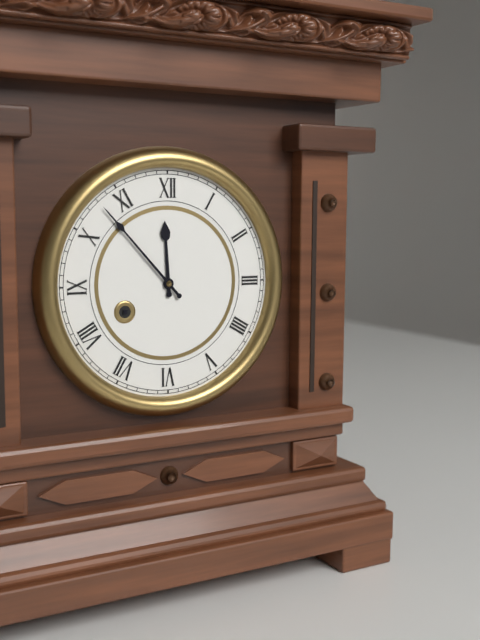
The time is 11:53
